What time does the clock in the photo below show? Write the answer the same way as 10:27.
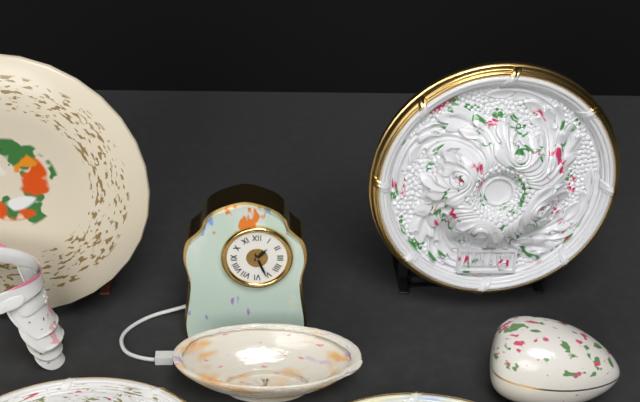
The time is 1:26
